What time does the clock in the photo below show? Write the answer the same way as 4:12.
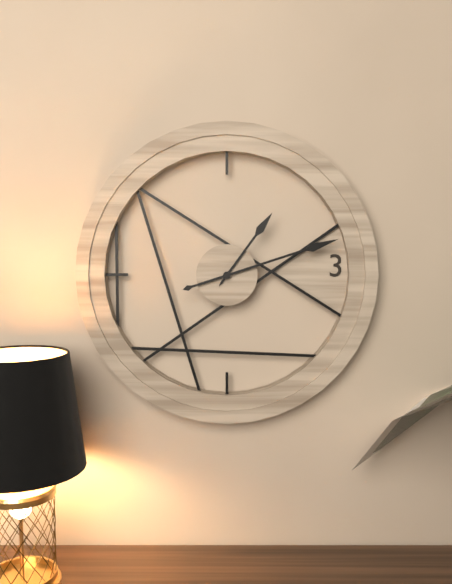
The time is 1:12
